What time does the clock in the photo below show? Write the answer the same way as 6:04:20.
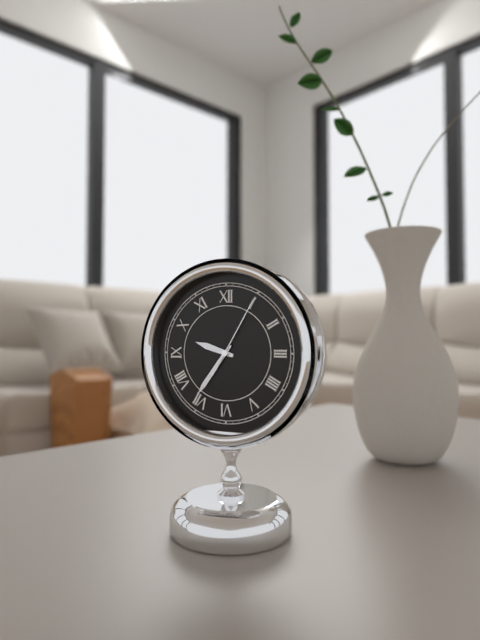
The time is 9:36:05
